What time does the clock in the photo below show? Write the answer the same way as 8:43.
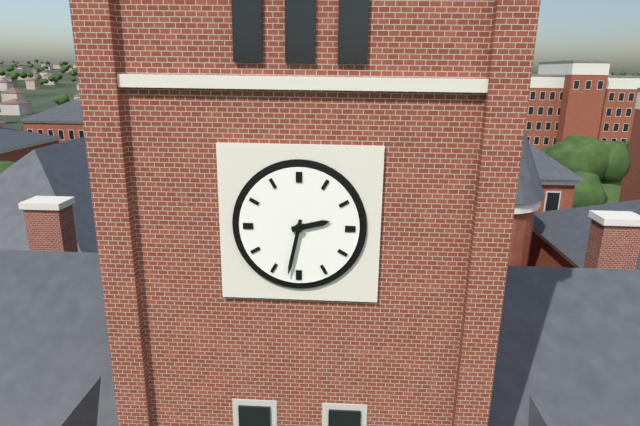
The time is 2:32
